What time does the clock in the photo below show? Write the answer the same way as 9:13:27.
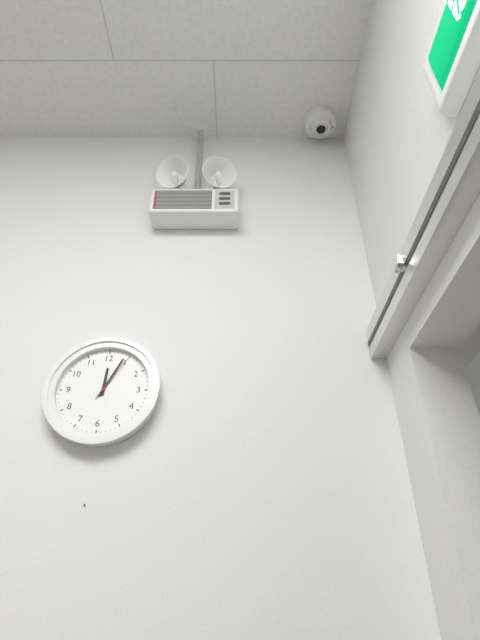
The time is 12:04:05
